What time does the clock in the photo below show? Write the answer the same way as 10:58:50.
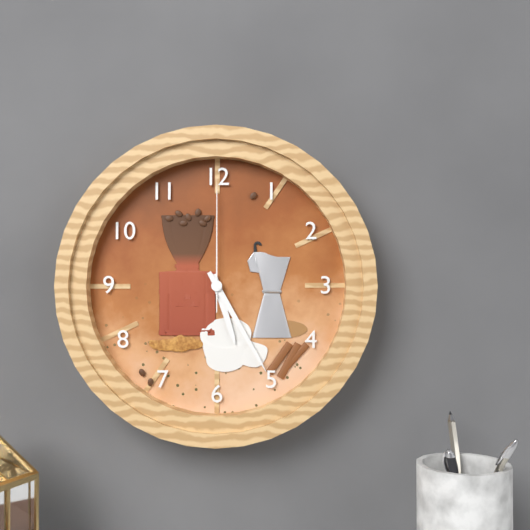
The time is 5:25:00
